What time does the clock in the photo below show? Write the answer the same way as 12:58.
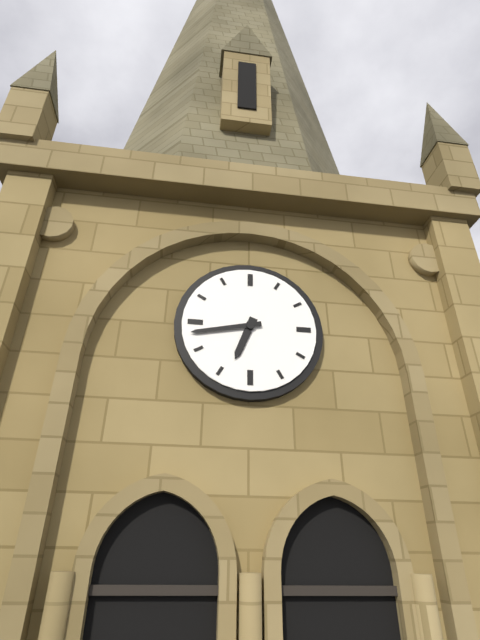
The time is 6:43
